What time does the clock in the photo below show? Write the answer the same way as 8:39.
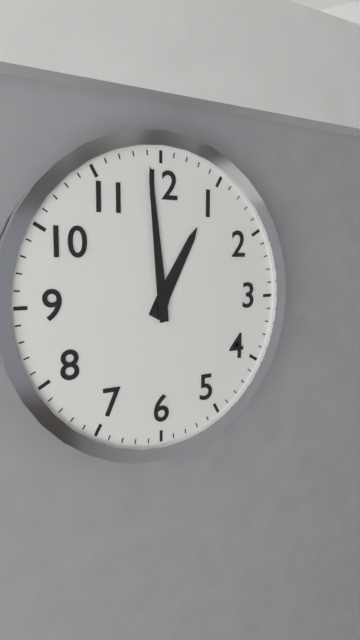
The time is 12:59
